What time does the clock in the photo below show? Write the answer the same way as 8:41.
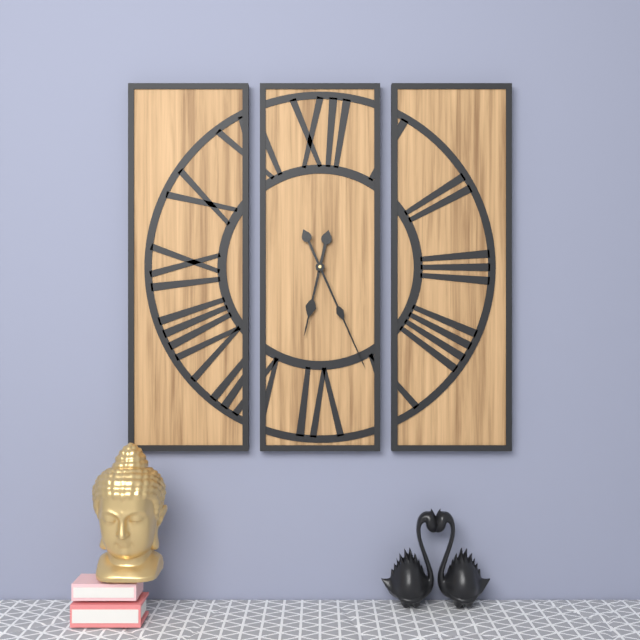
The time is 6:26
